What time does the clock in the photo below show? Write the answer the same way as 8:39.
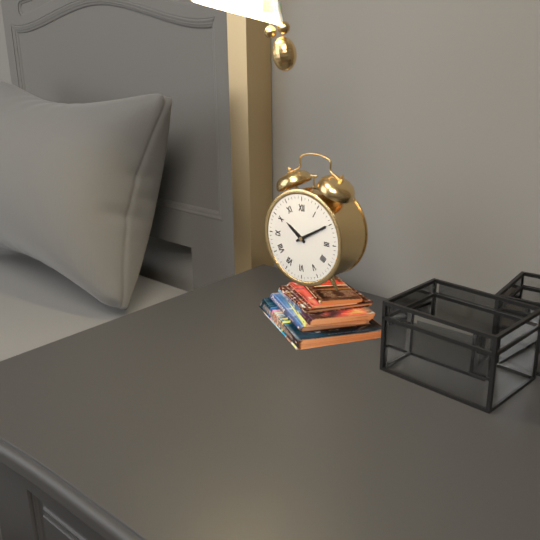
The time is 10:10
